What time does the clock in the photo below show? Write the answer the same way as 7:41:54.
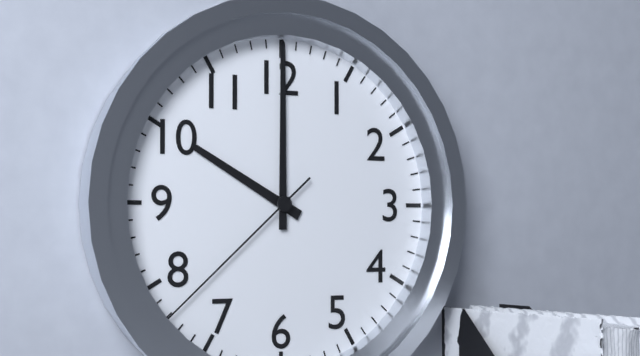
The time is 10:00:38
